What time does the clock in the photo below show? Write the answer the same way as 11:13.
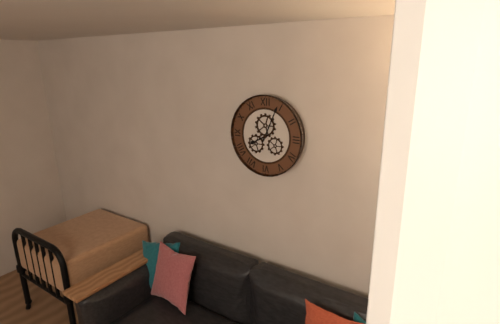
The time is 8:04
